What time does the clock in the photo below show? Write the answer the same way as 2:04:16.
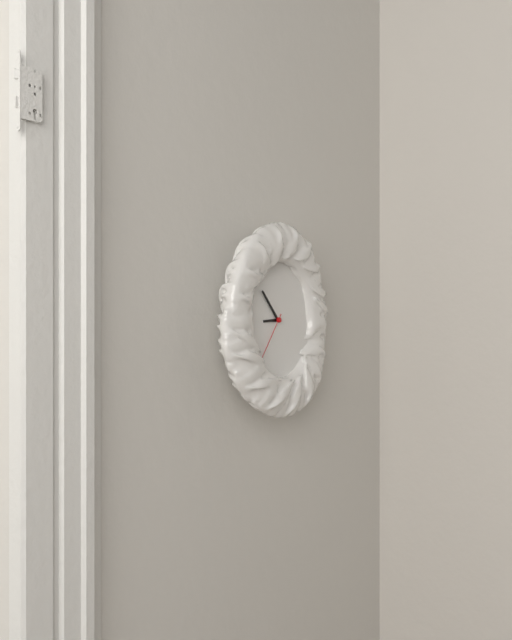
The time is 8:53:36
